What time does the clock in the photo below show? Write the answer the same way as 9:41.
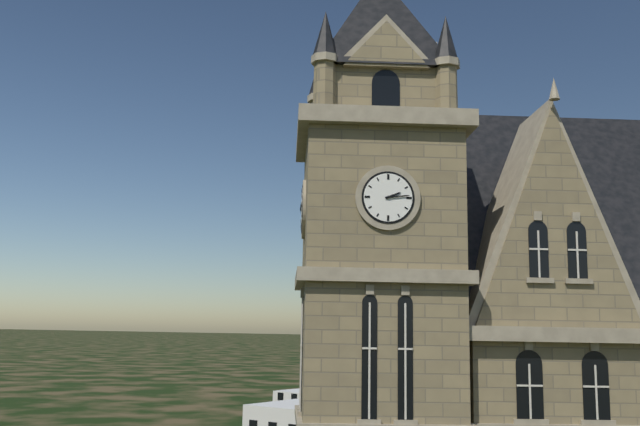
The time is 2:14
